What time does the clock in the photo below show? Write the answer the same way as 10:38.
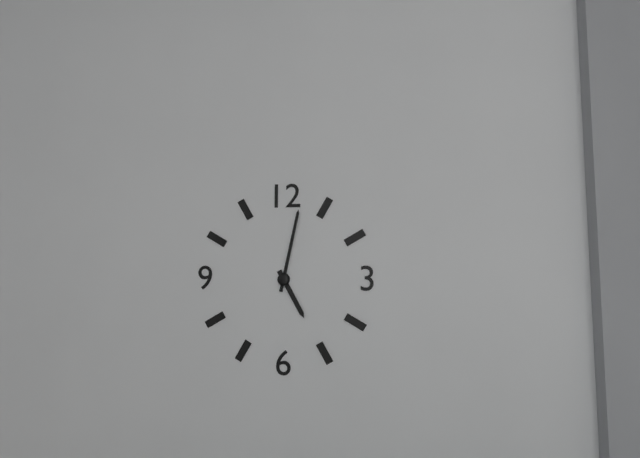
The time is 5:02
